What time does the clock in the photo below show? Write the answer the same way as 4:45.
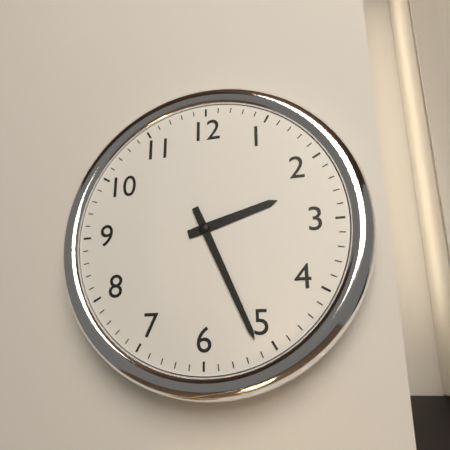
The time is 2:26
